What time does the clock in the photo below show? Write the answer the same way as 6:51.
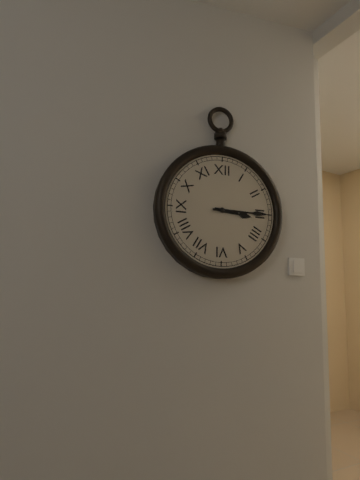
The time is 3:15
